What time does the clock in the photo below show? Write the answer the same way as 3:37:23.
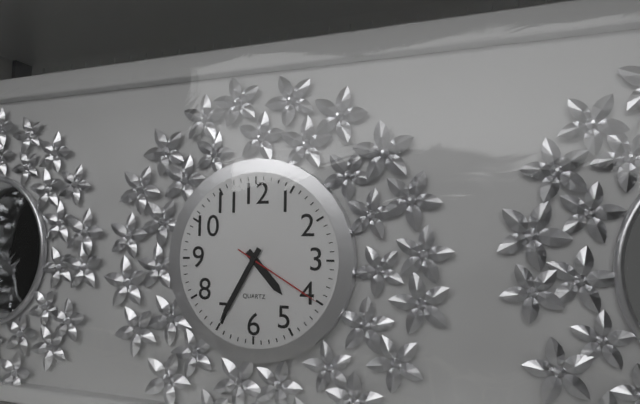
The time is 4:35:20
